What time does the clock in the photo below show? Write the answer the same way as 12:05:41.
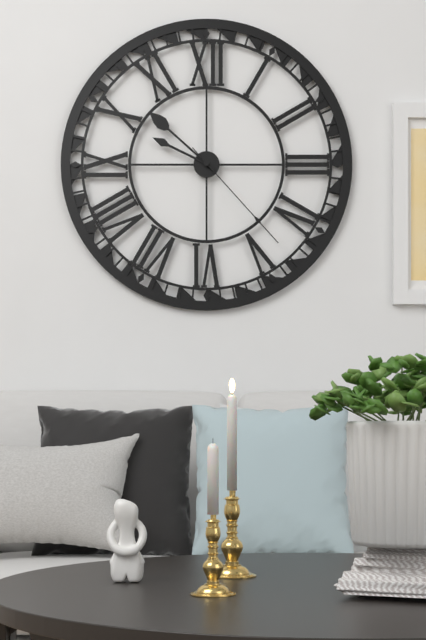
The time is 9:52:23
